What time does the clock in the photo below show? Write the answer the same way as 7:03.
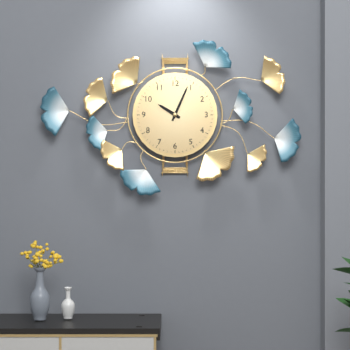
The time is 10:04
